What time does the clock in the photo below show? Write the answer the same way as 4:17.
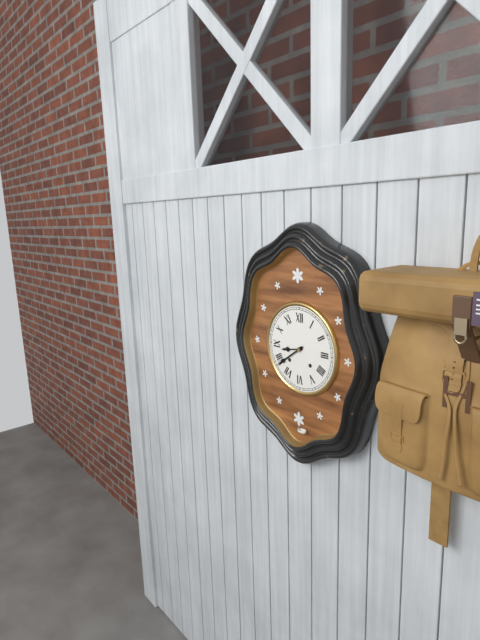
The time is 8:39
